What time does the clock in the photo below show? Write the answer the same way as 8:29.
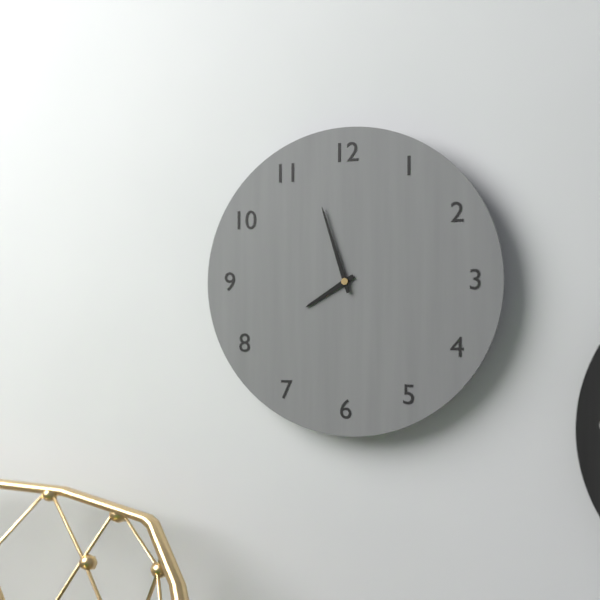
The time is 7:57
